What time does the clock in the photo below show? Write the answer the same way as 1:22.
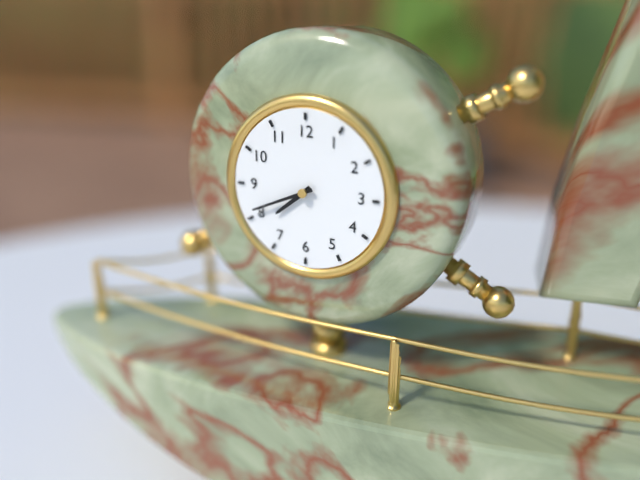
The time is 7:41
